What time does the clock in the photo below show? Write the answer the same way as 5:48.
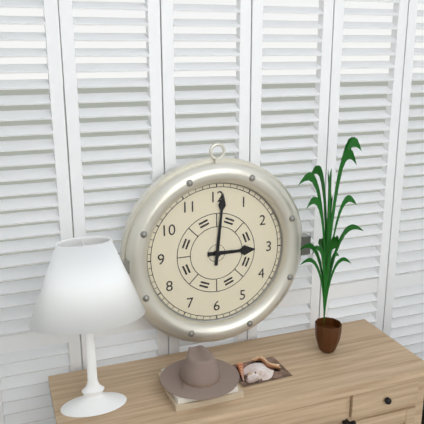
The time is 3:01
